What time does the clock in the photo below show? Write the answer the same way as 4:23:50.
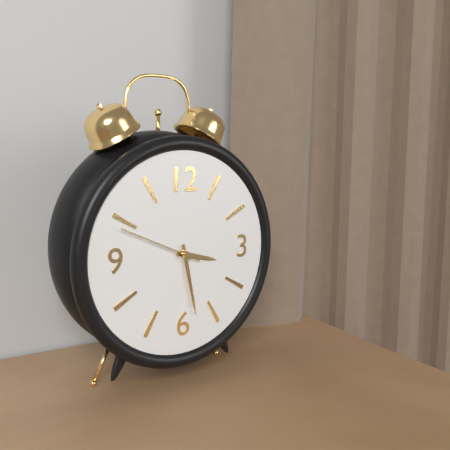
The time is 3:28:49
